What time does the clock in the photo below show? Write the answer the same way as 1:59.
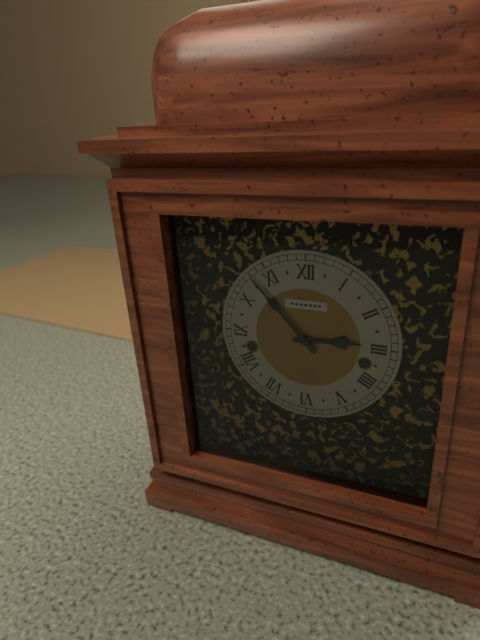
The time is 2:53
